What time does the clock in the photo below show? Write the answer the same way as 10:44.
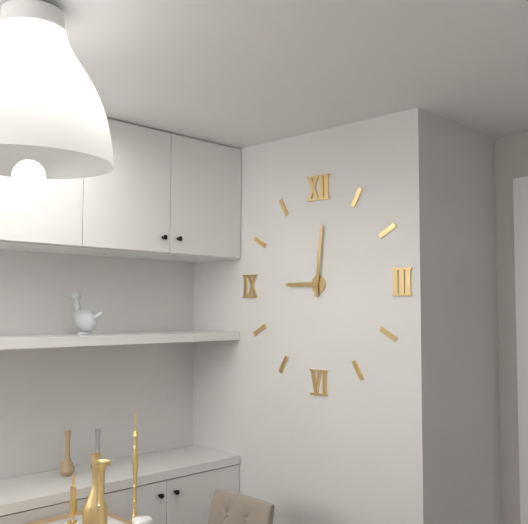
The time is 9:01
